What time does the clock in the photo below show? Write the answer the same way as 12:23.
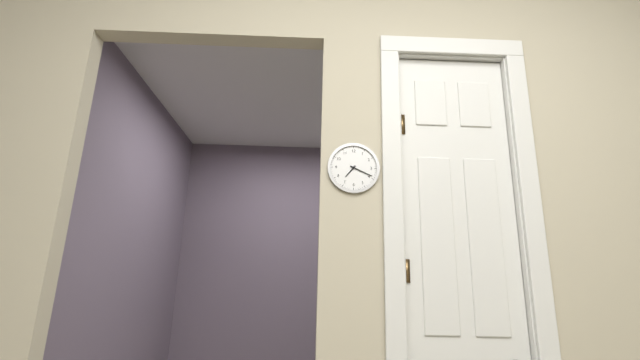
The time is 7:19
